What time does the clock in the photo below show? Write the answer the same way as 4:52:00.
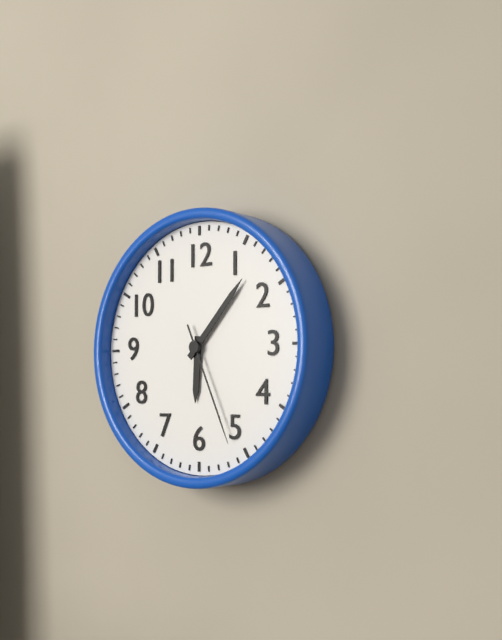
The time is 6:07:26
